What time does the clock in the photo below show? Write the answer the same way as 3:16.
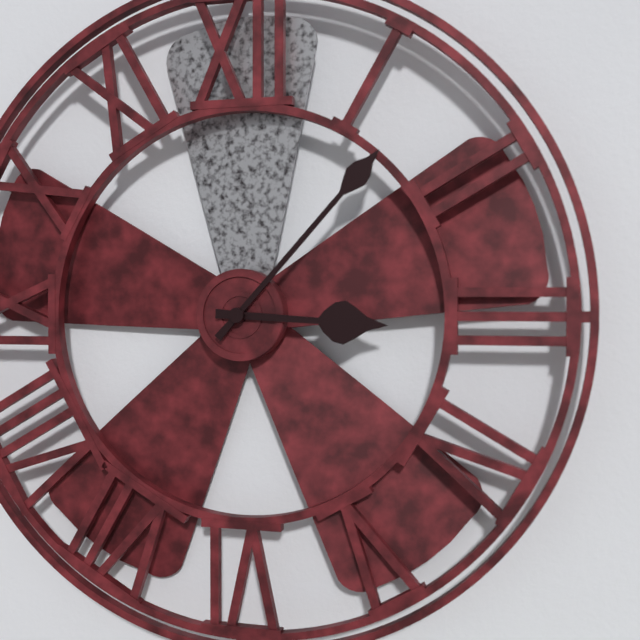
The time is 3:07
